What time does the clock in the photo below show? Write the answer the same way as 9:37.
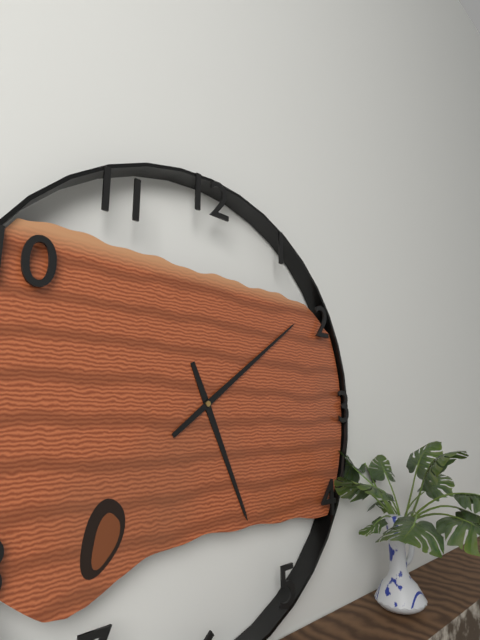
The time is 5:09
